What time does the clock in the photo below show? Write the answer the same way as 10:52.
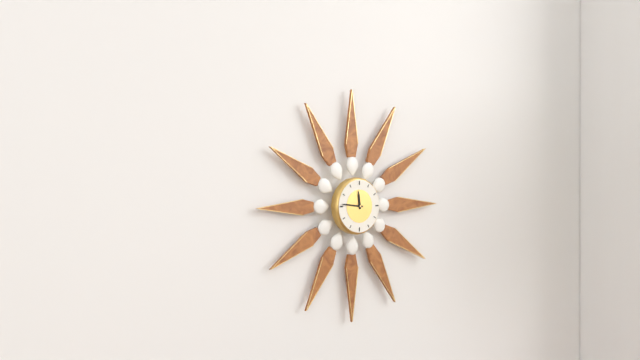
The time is 11:46
